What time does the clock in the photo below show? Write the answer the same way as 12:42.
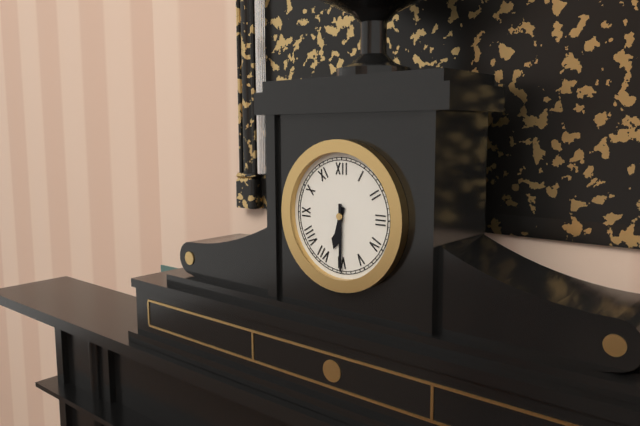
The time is 6:30
